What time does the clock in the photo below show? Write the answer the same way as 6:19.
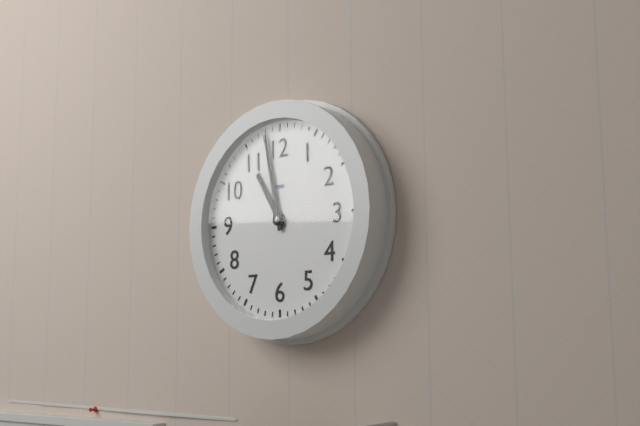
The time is 10:58
